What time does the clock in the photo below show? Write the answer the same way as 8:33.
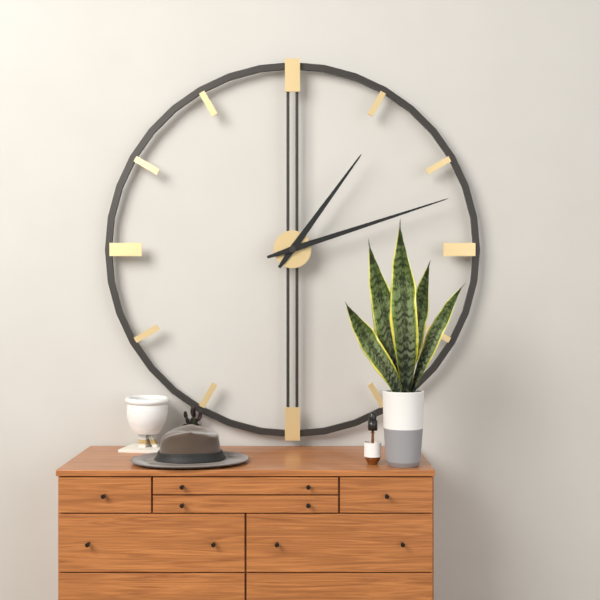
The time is 1:12
